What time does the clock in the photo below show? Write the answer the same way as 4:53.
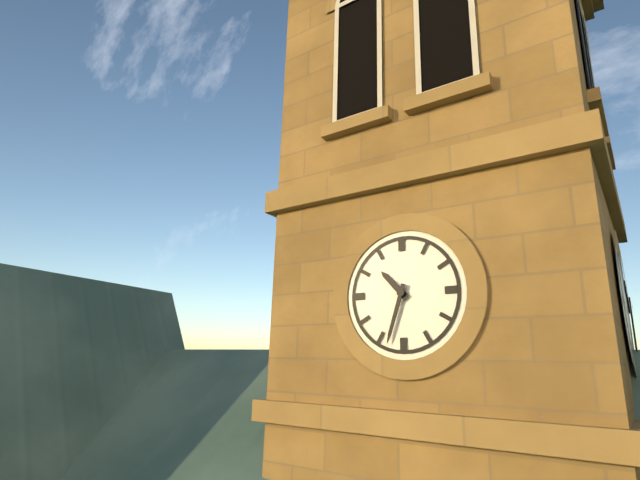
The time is 10:33
